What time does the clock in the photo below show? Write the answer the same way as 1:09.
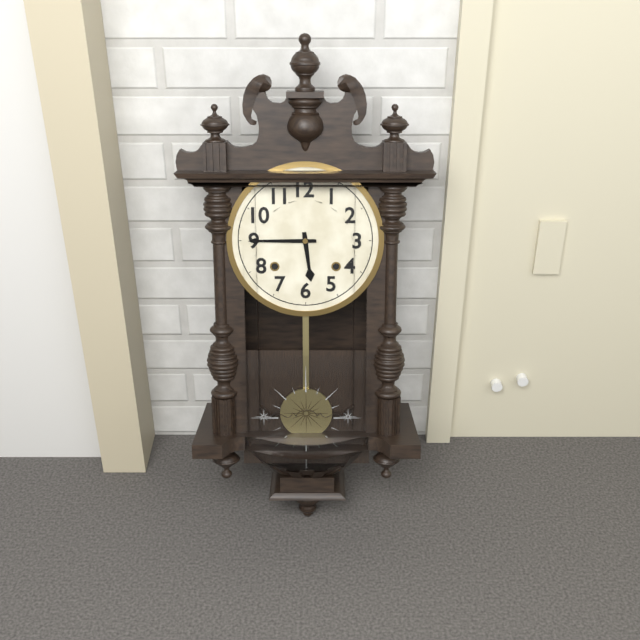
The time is 5:45
